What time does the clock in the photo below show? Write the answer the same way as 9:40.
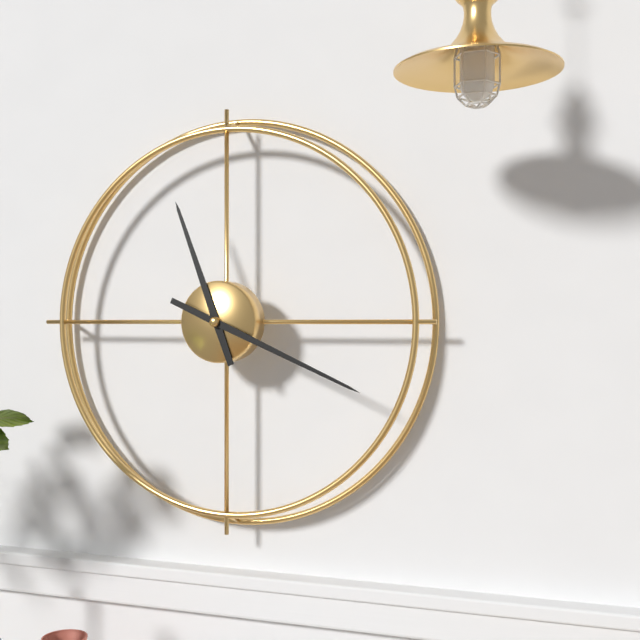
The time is 11:19
